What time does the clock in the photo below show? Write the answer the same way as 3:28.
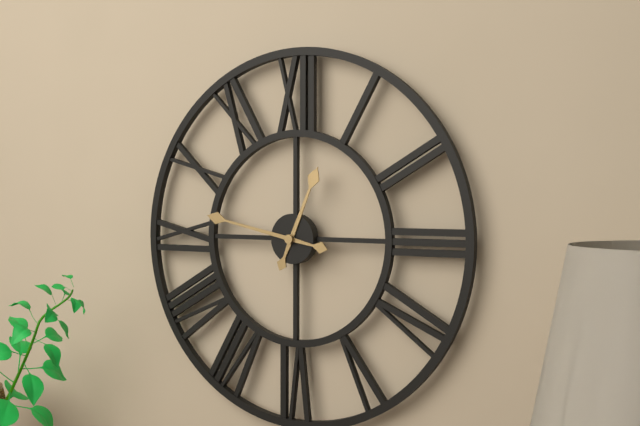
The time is 12:47
